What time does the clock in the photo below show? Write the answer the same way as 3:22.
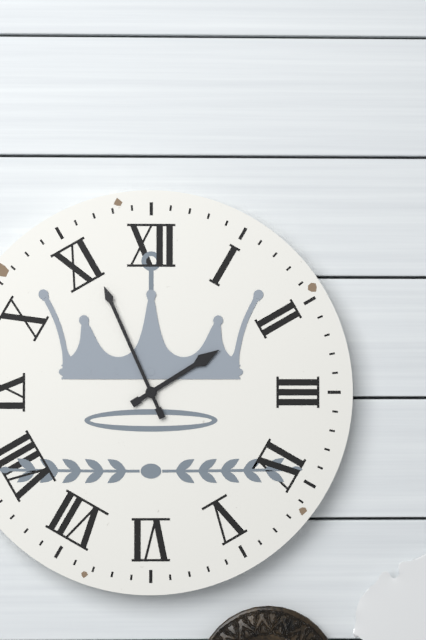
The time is 1:56
